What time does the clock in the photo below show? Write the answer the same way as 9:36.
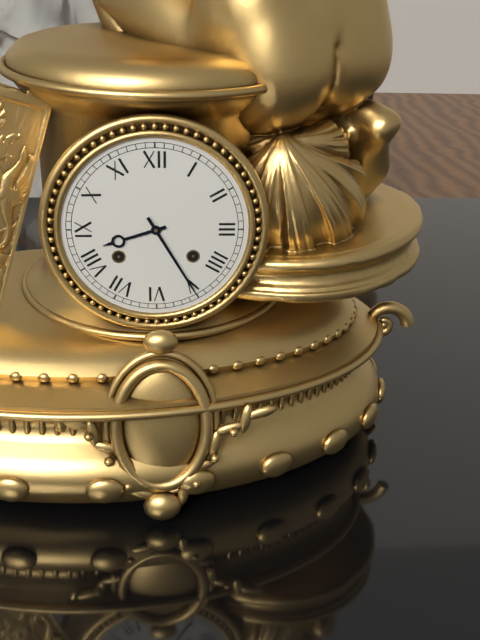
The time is 8:25
